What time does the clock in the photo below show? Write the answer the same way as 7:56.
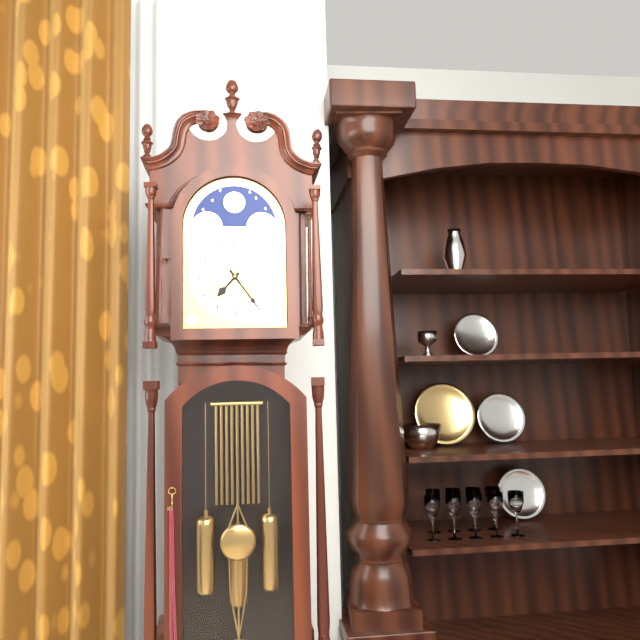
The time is 7:24
